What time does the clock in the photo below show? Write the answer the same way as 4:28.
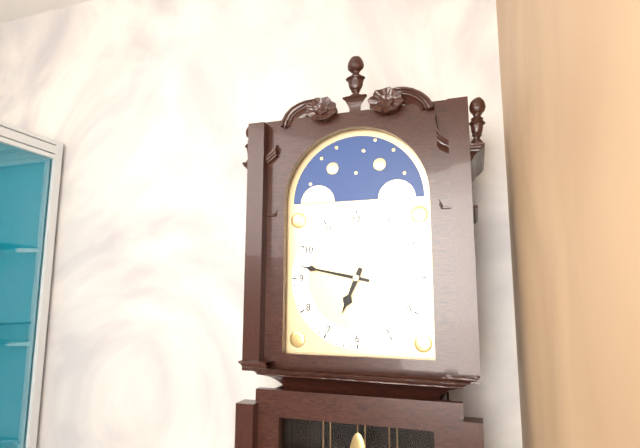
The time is 6:47
